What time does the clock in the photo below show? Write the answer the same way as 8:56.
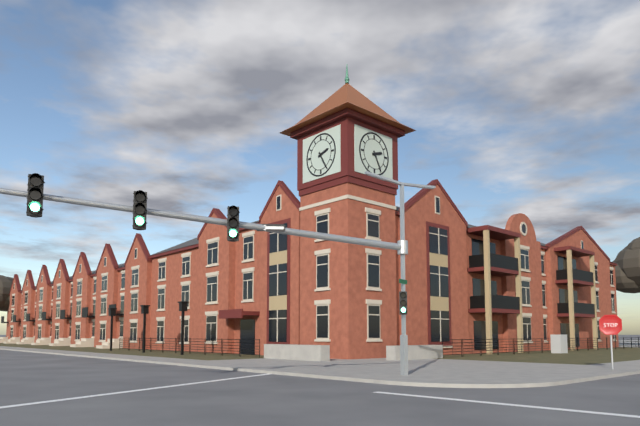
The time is 2:25
